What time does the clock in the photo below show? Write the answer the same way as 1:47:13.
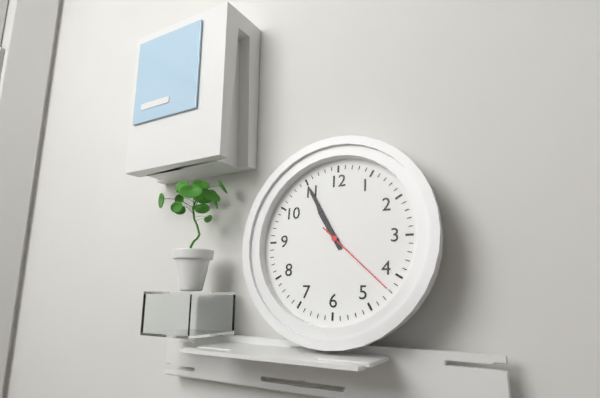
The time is 10:55:22
